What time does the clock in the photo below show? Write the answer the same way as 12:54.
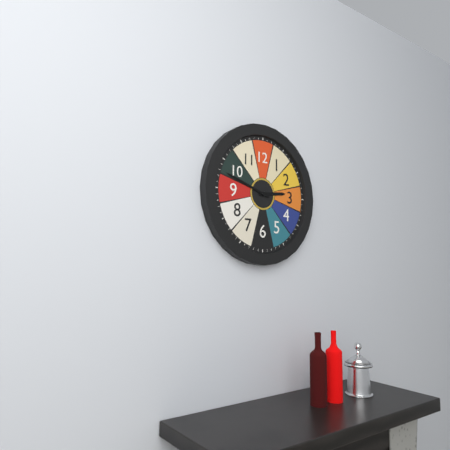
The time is 2:48
